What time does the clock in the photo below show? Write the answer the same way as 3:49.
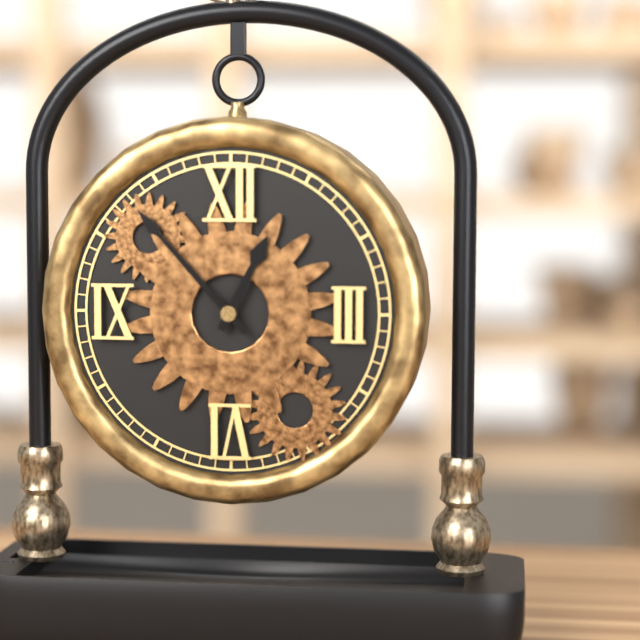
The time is 12:53
